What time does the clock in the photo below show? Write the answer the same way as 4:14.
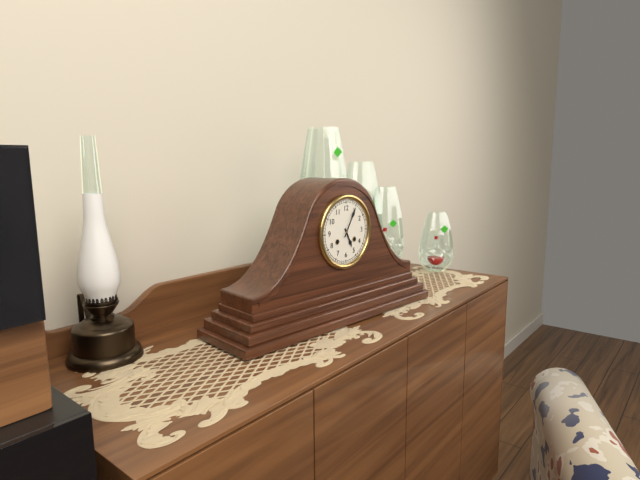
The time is 5:05
